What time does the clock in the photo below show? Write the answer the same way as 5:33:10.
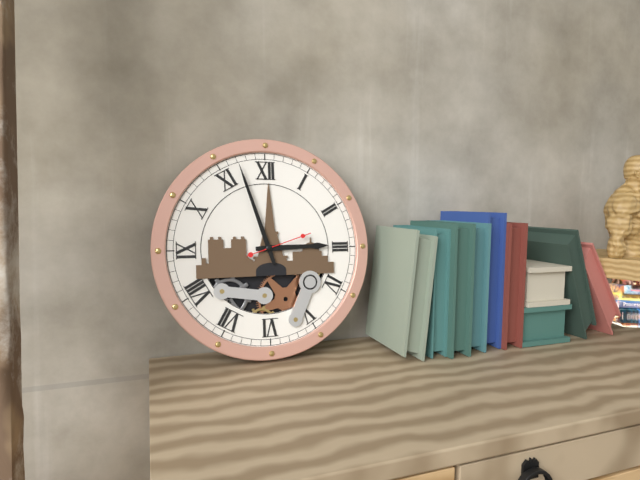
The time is 2:57:12
